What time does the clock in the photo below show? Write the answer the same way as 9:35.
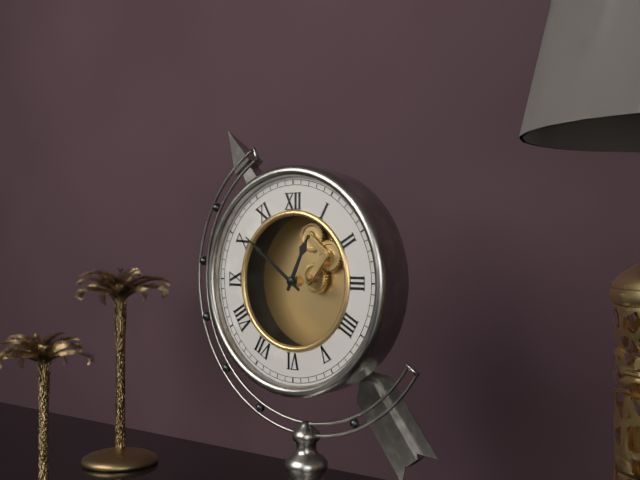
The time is 12:51
